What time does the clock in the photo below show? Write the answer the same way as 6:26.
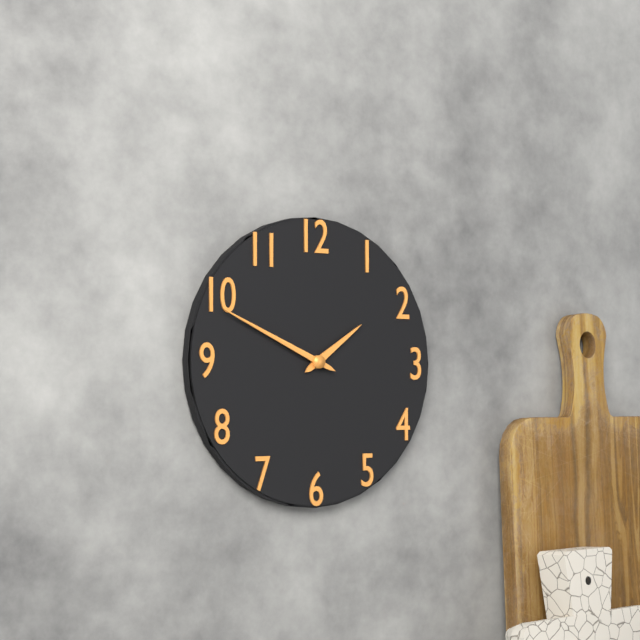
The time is 1:49
